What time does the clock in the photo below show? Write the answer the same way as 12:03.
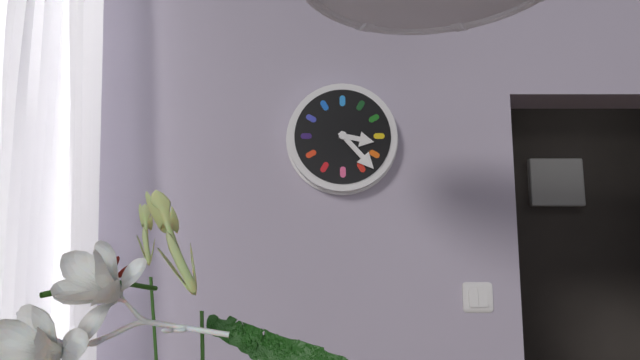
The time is 3:23
